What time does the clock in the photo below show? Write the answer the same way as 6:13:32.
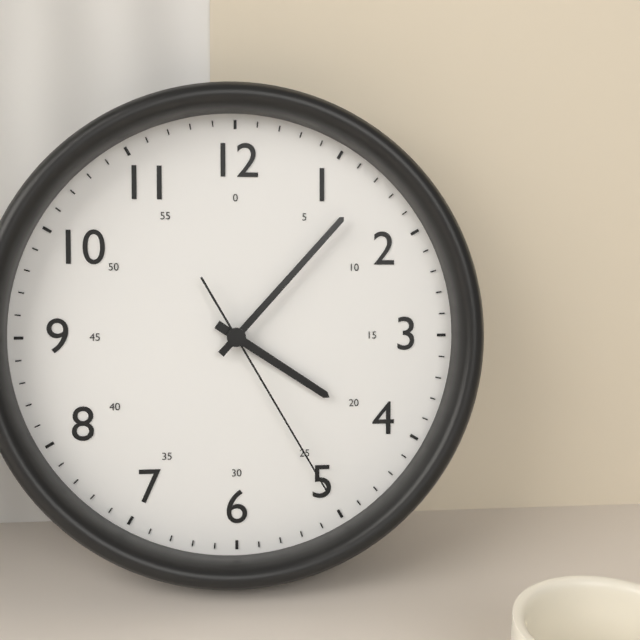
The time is 4:07:25
